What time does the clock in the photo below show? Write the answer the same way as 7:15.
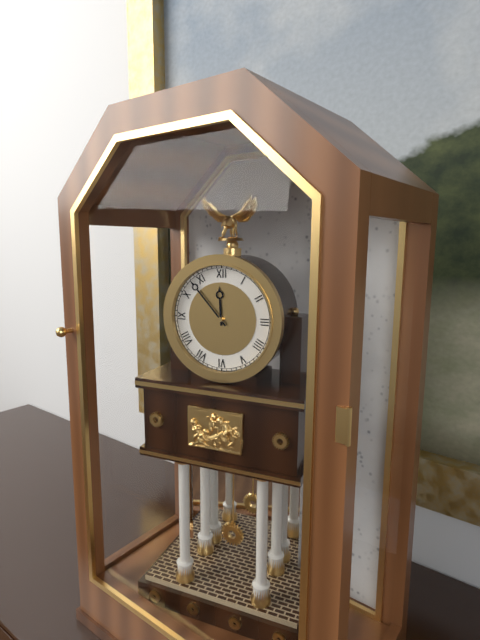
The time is 11:53
